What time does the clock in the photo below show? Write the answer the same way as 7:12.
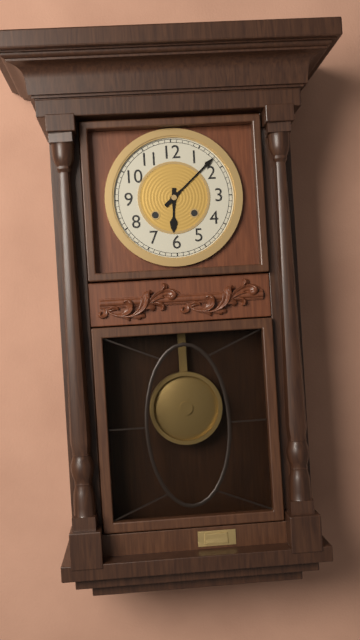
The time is 6:08
